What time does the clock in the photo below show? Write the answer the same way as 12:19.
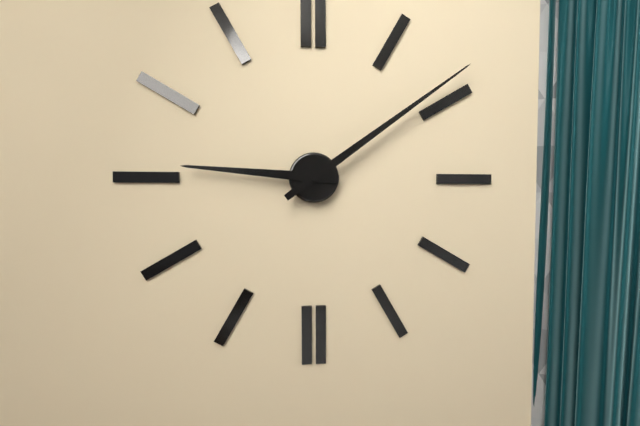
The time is 9:09
